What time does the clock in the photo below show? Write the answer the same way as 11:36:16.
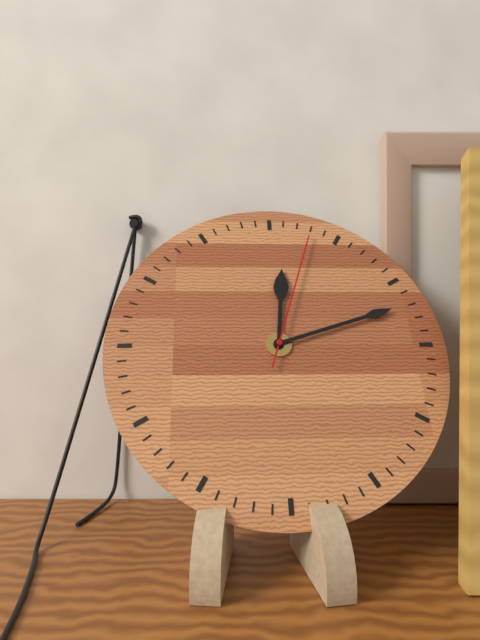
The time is 12:12:03
